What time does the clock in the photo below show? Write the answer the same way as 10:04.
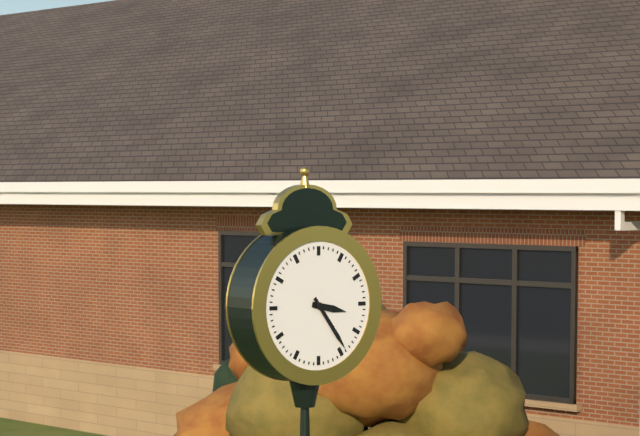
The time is 3:24
